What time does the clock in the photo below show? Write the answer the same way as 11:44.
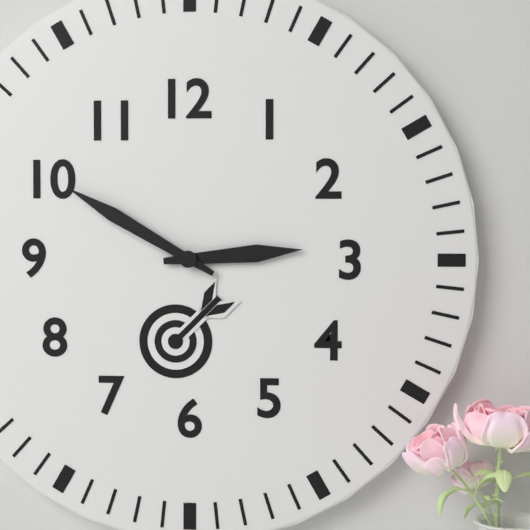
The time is 2:50
